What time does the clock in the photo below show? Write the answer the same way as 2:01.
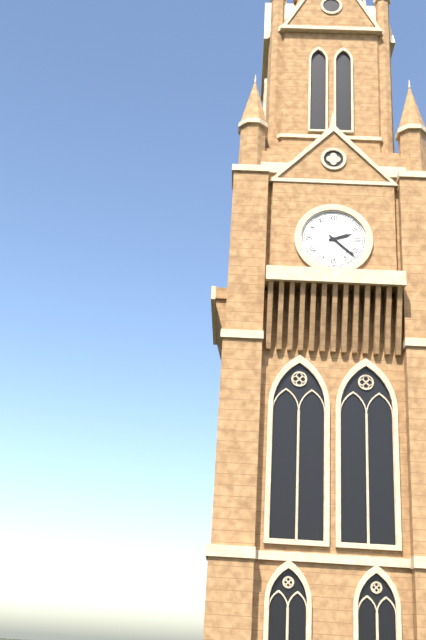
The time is 2:22
